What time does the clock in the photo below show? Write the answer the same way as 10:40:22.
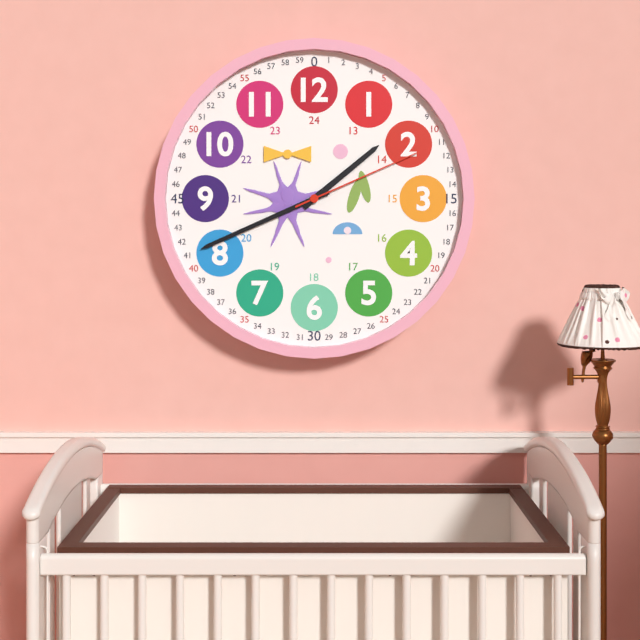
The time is 1:41:11
